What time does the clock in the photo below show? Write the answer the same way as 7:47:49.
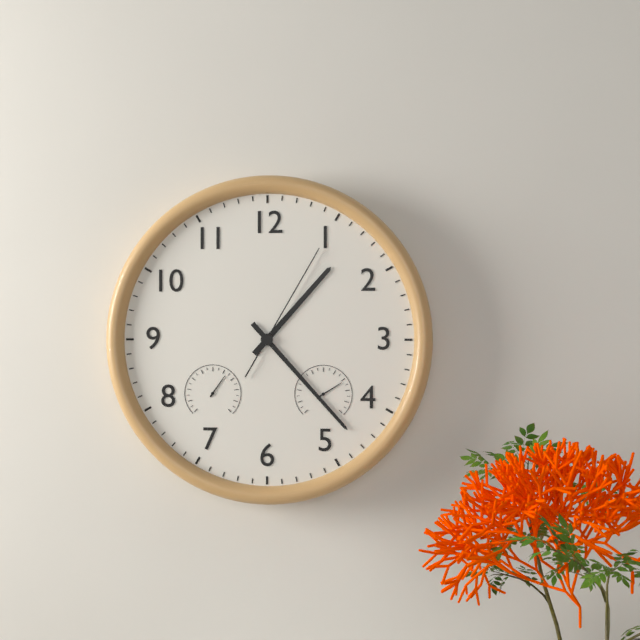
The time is 1:23:05
